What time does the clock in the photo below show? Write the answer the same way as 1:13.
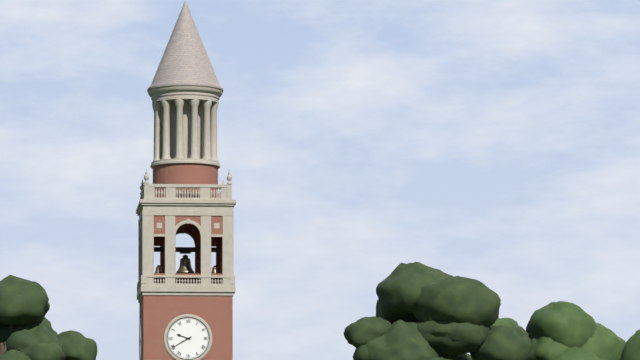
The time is 9:40
